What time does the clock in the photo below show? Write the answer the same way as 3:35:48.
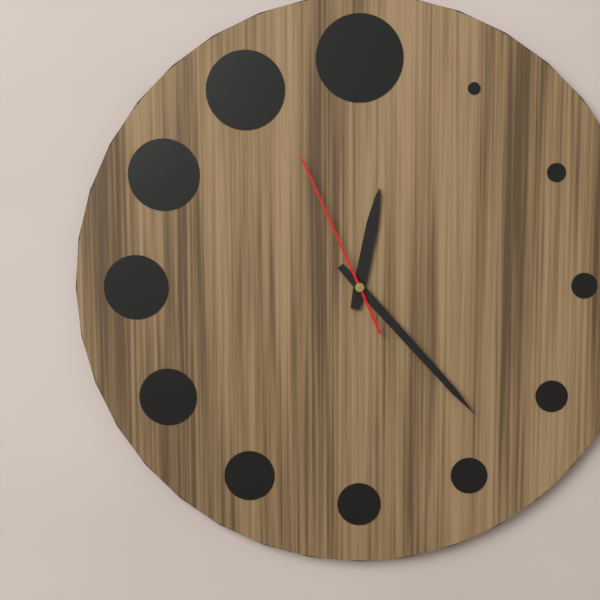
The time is 12:23:56
